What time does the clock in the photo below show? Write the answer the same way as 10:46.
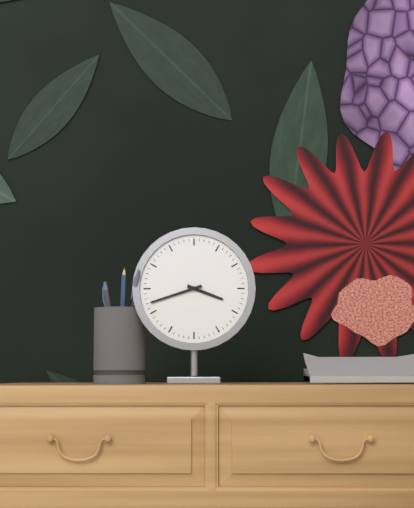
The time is 3:42
